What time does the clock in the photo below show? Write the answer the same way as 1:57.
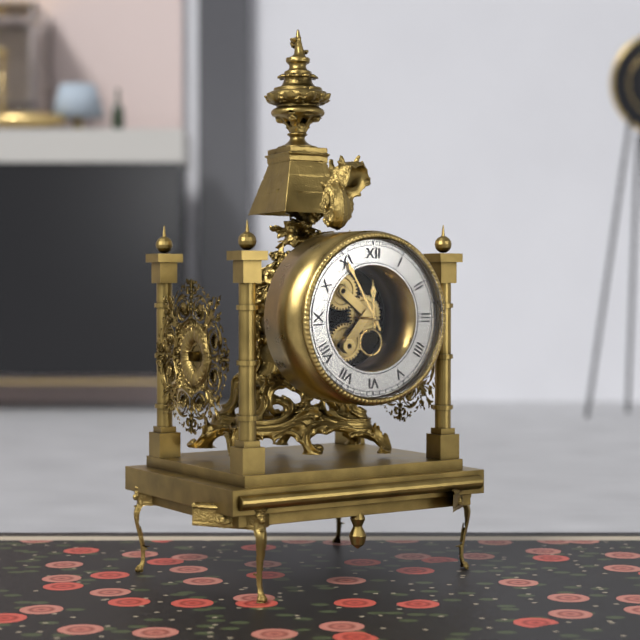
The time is 11:55
